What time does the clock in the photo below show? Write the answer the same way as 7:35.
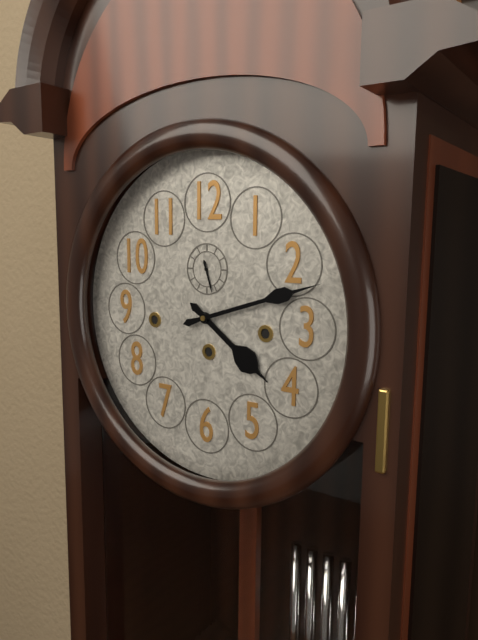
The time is 4:12
